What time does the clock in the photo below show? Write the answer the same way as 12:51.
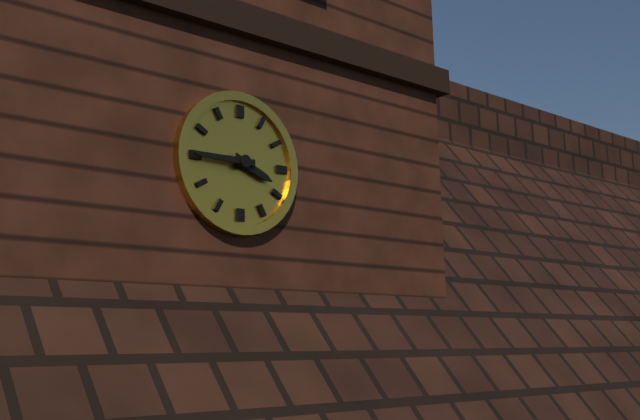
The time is 3:45
